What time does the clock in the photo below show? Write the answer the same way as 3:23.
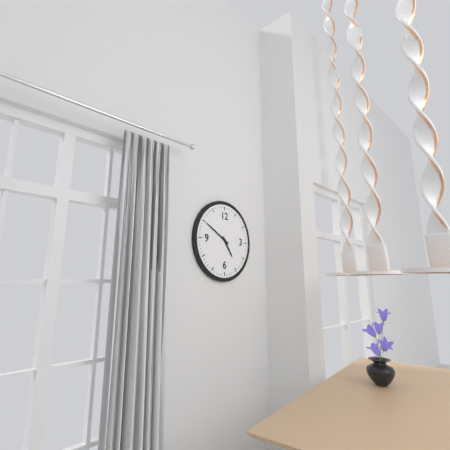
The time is 4:50
